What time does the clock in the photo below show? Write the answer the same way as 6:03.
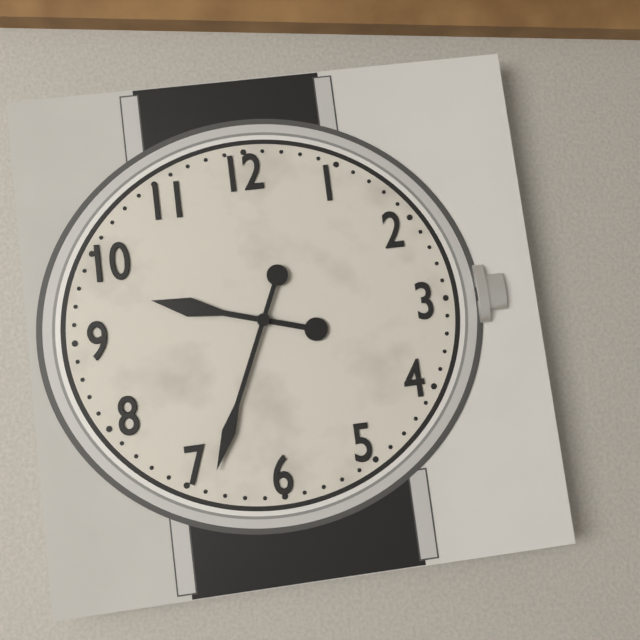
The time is 9:34
